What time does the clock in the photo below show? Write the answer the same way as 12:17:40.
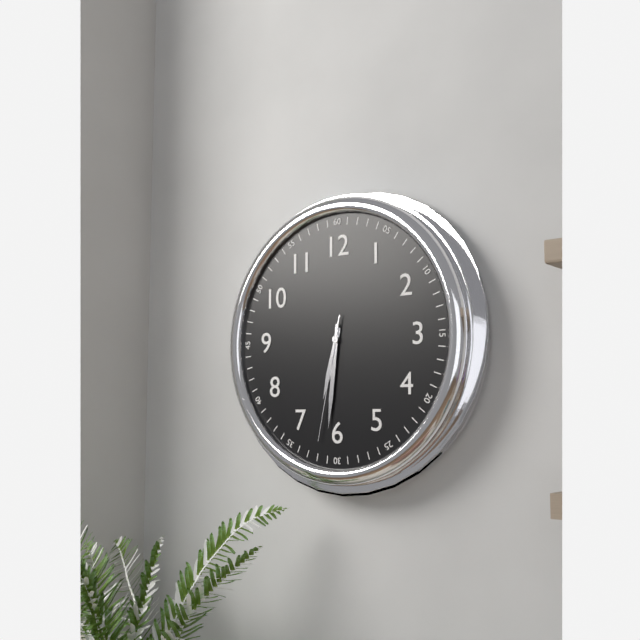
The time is 6:31:32
